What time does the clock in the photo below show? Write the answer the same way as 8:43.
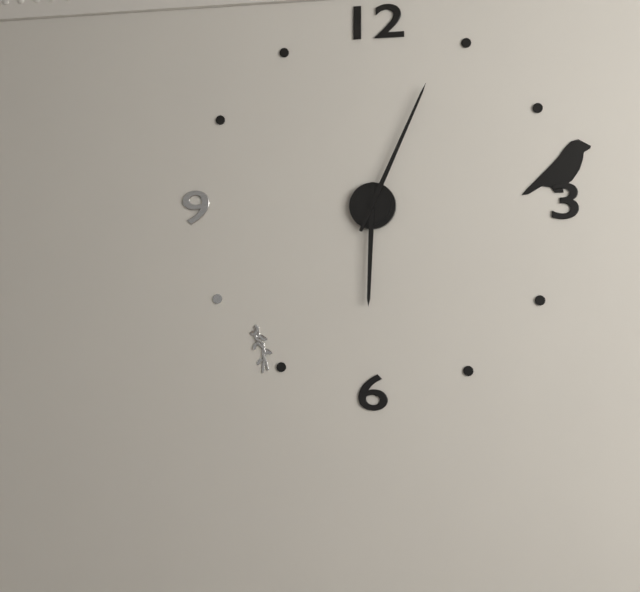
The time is 6:04
